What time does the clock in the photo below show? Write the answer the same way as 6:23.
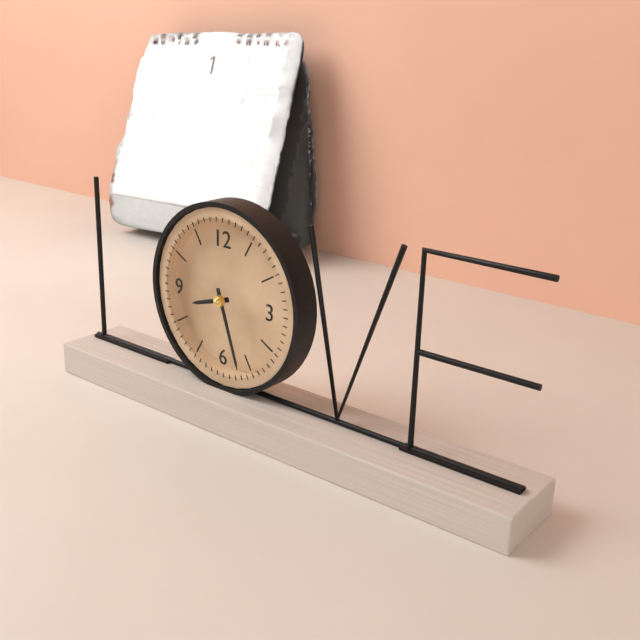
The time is 8:27
